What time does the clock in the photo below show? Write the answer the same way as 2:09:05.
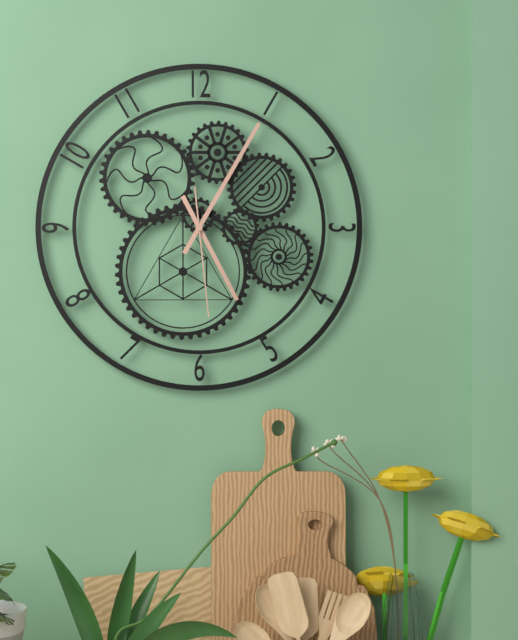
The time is 5:05:29
